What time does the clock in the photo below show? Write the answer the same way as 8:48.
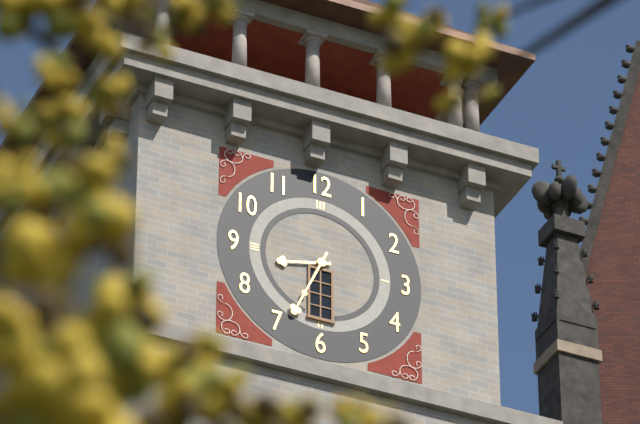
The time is 8:34
